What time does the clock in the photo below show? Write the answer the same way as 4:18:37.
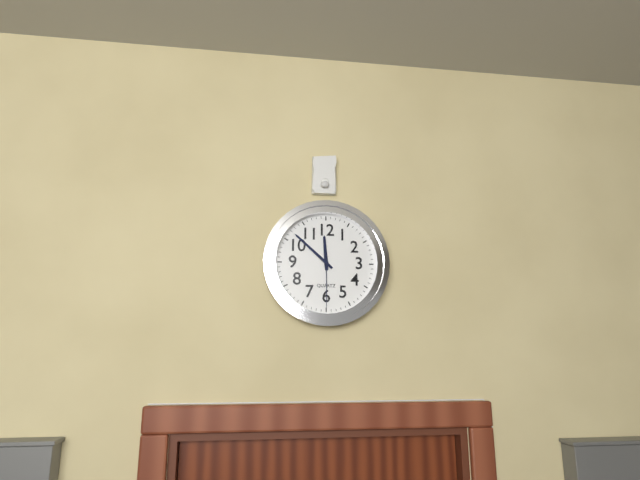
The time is 11:52:30
